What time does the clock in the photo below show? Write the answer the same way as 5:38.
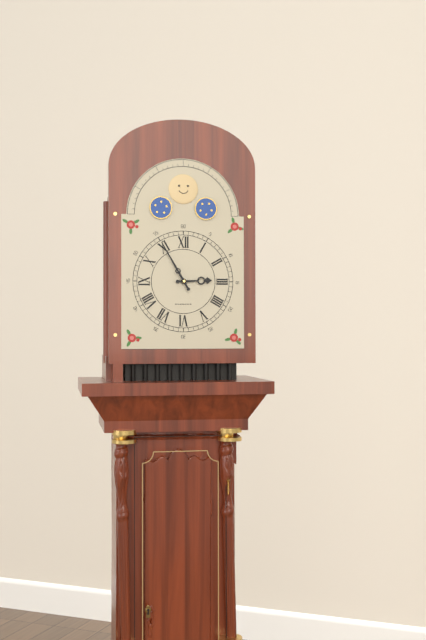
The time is 2:55
